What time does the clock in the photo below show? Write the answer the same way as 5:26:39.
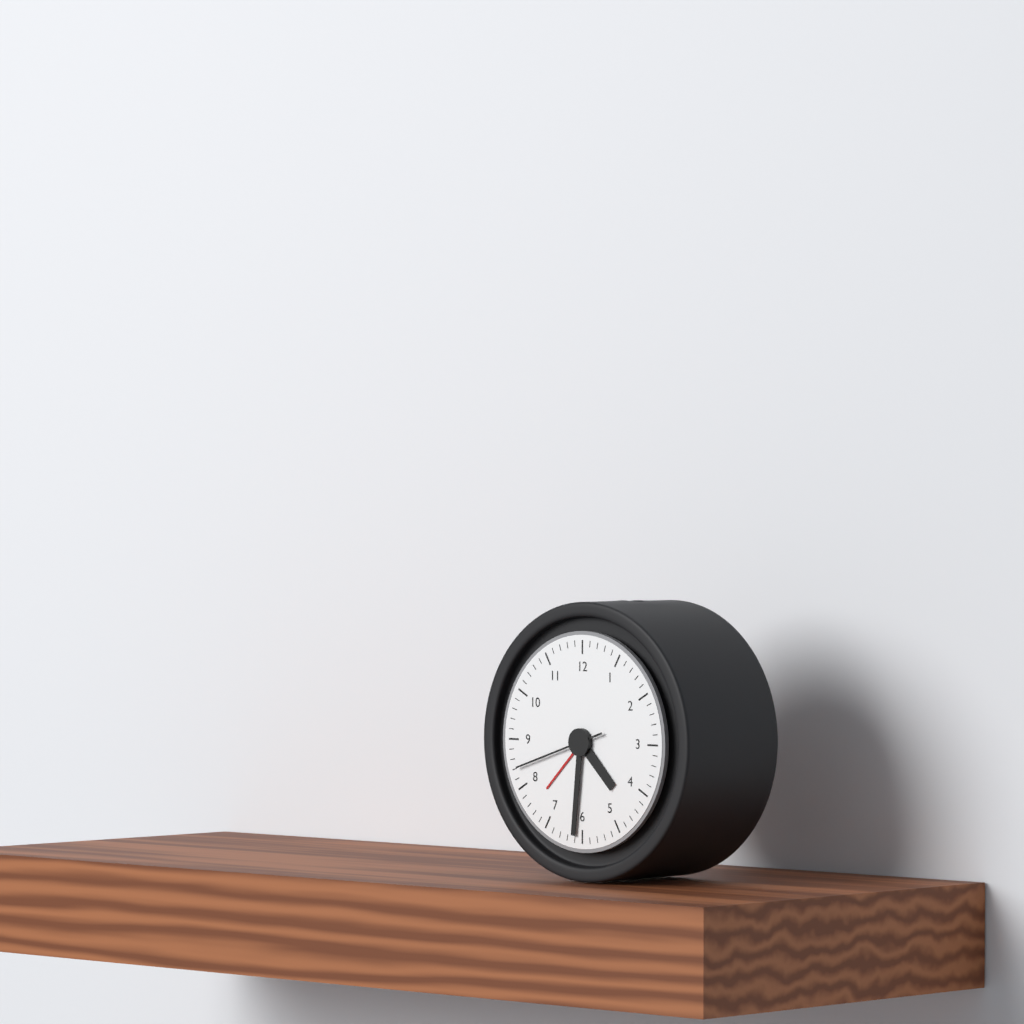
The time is 4:31:42
